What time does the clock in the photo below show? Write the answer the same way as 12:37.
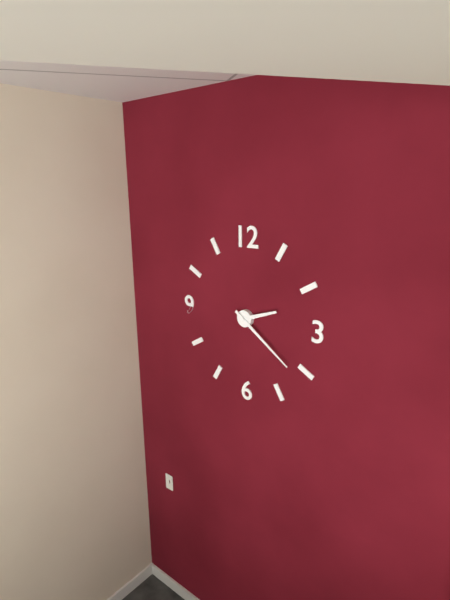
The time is 2:21
